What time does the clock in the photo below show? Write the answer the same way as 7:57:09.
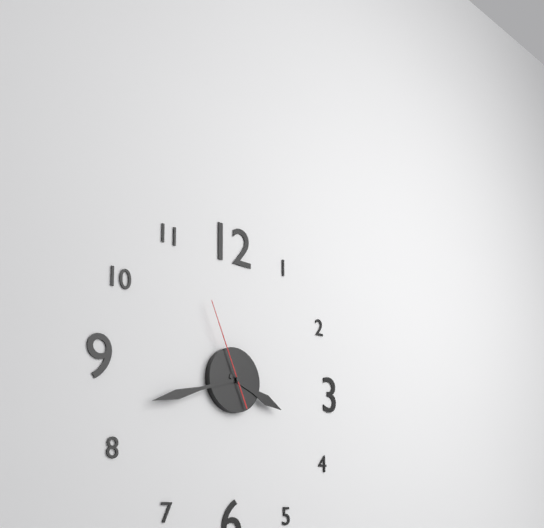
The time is 3:42:56
